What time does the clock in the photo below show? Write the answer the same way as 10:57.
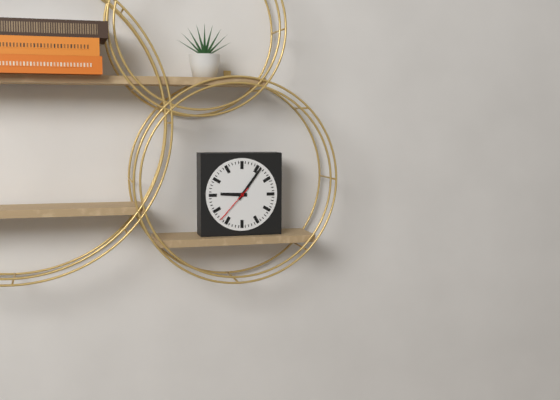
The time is 9:06
